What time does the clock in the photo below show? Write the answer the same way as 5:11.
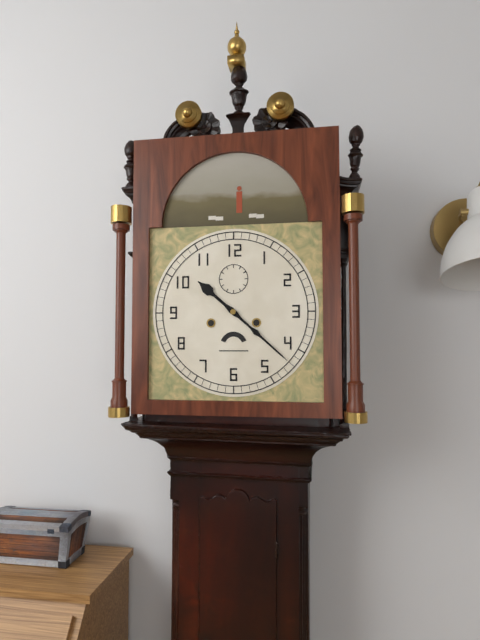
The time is 10:22
